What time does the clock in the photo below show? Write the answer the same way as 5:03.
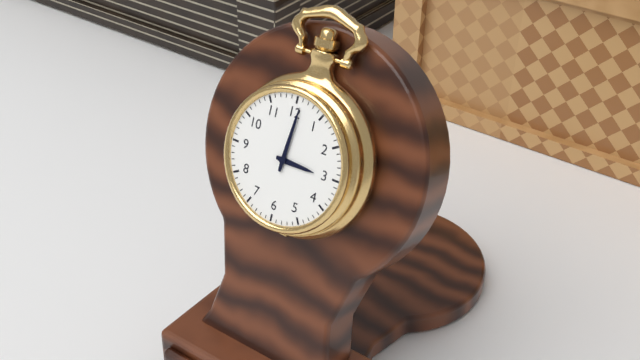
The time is 3:01
